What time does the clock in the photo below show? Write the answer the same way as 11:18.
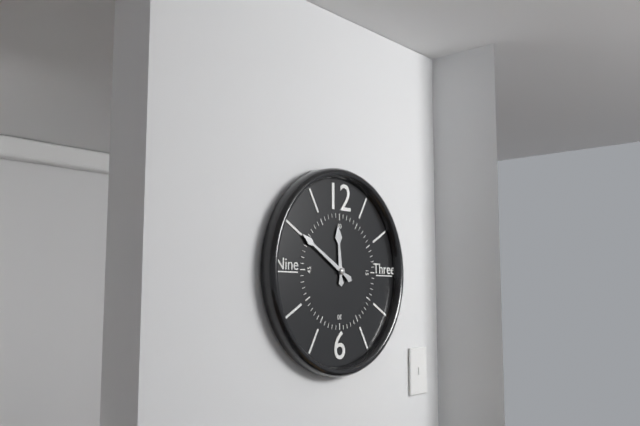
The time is 11:50
